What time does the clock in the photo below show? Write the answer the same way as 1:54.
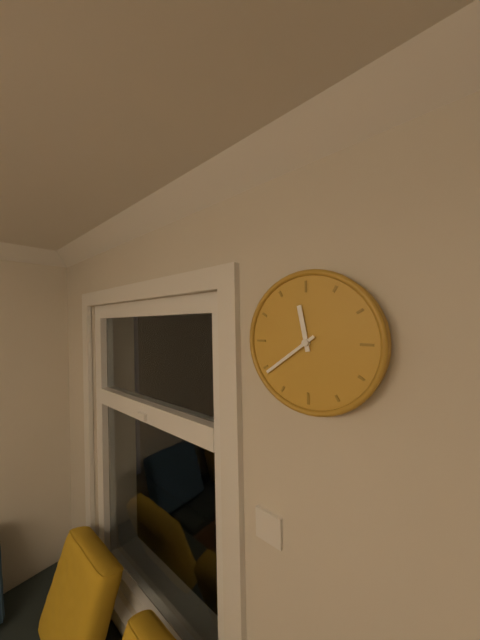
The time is 11:39
